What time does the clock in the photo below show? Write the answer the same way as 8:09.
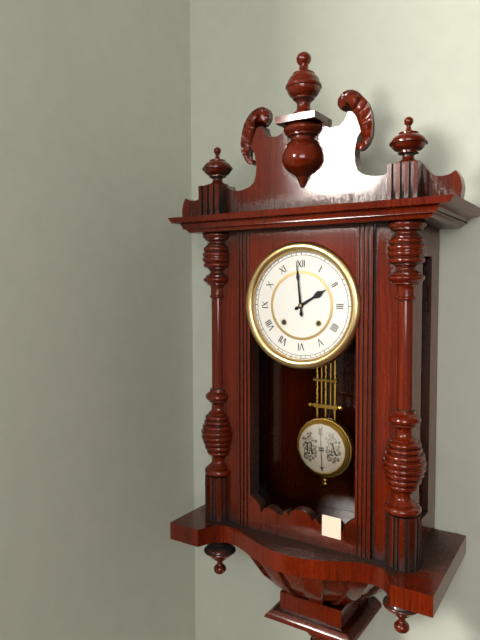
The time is 1:59
